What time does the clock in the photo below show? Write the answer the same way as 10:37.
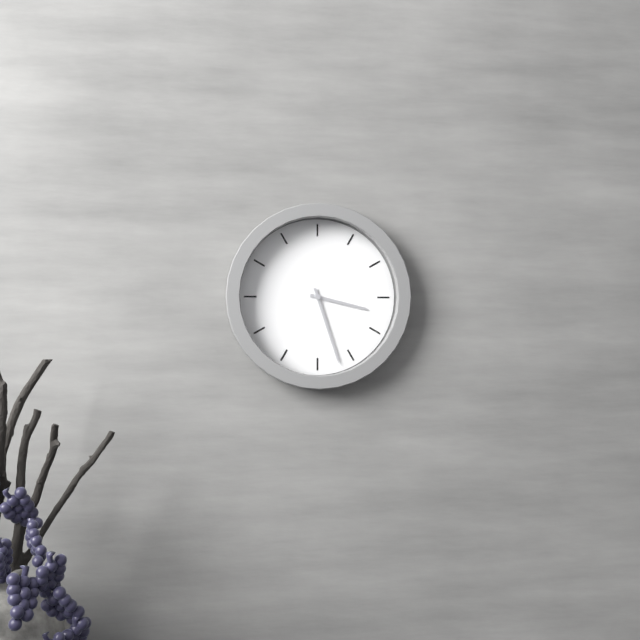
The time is 3:27
